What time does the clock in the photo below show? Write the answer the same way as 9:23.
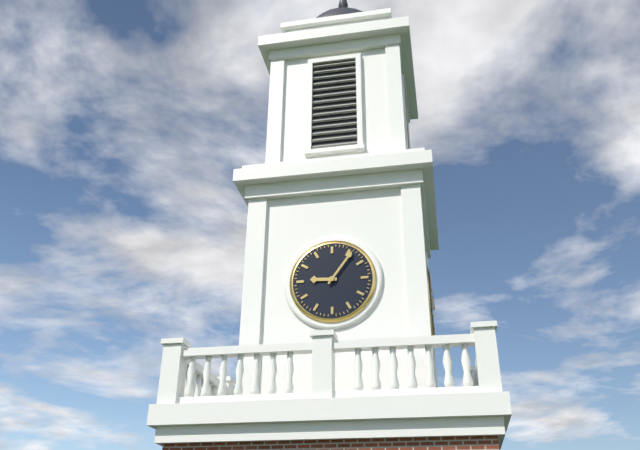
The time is 9:06
